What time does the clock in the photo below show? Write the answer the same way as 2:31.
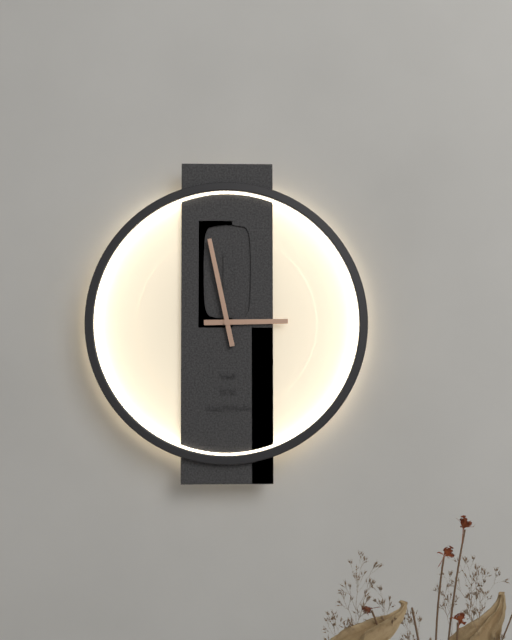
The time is 2:58
